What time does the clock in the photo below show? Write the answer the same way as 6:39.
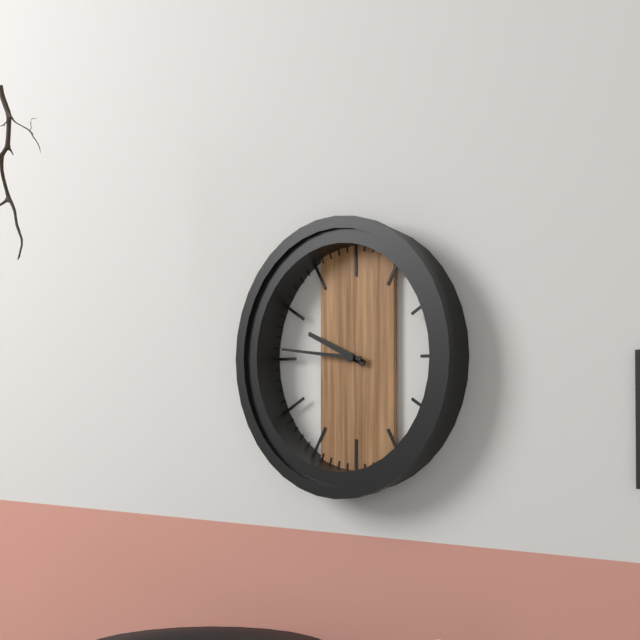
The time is 9:46
